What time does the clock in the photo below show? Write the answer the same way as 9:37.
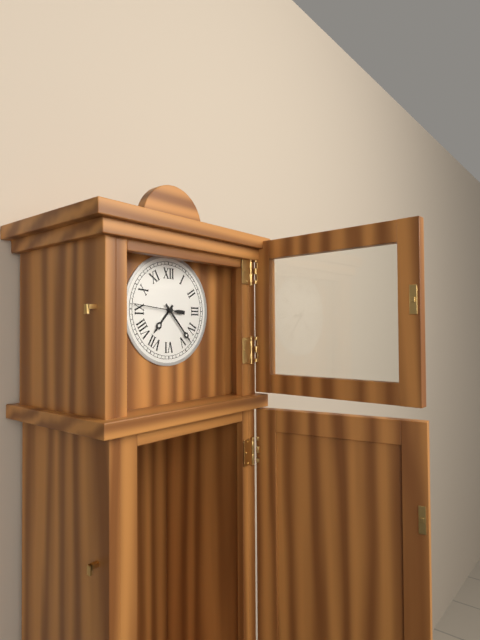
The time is 7:23
